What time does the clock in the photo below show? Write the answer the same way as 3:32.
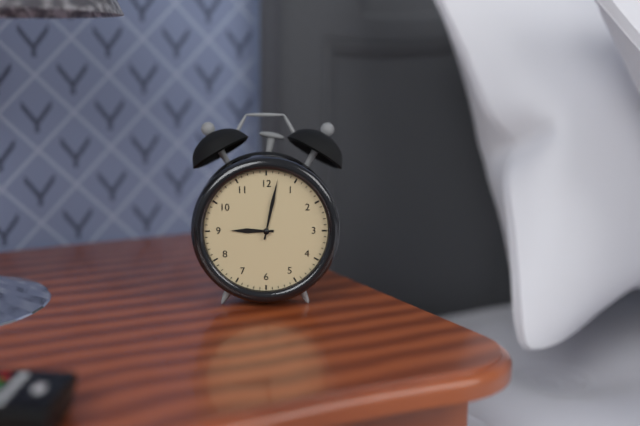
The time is 9:02
